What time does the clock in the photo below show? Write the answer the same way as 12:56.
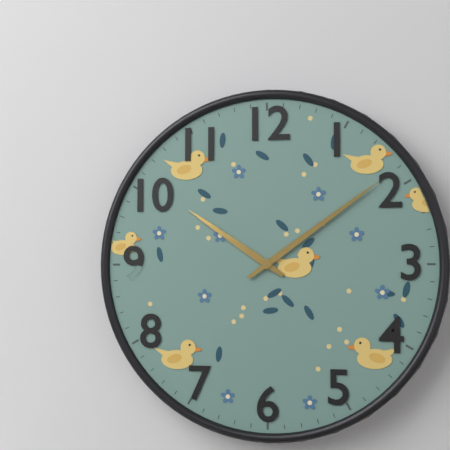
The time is 10:09
